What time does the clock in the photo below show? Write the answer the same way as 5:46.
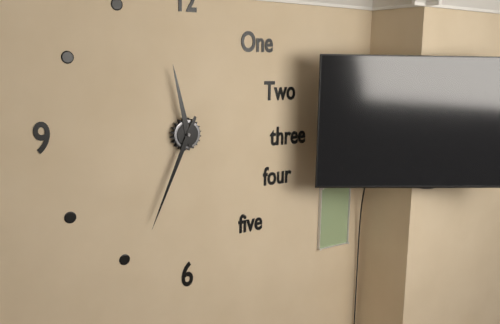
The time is 11:34
